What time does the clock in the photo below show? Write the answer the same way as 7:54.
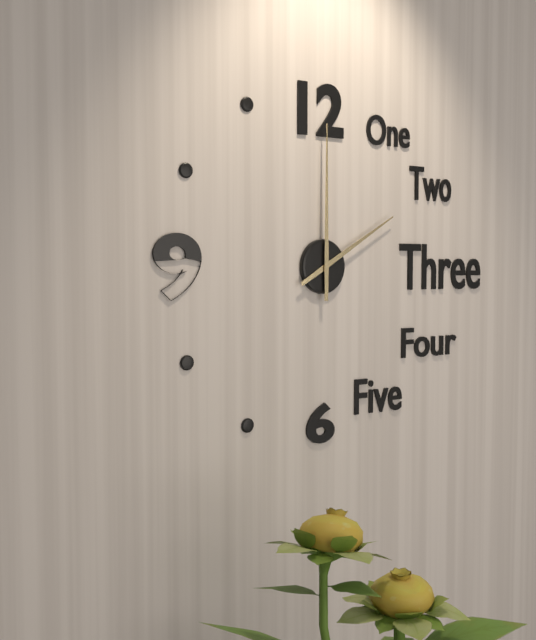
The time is 2:00
